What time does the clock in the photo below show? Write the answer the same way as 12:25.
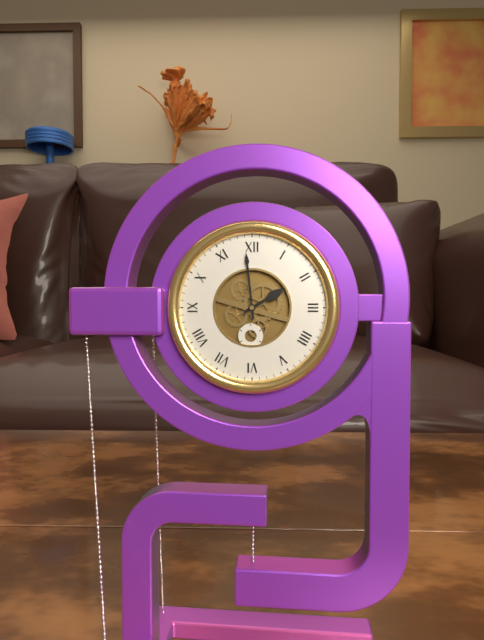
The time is 1:59
